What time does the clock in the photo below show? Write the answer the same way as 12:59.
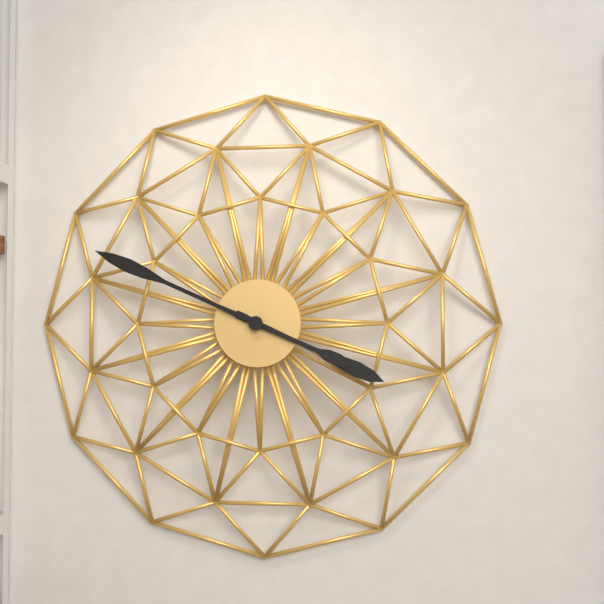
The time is 3:49
